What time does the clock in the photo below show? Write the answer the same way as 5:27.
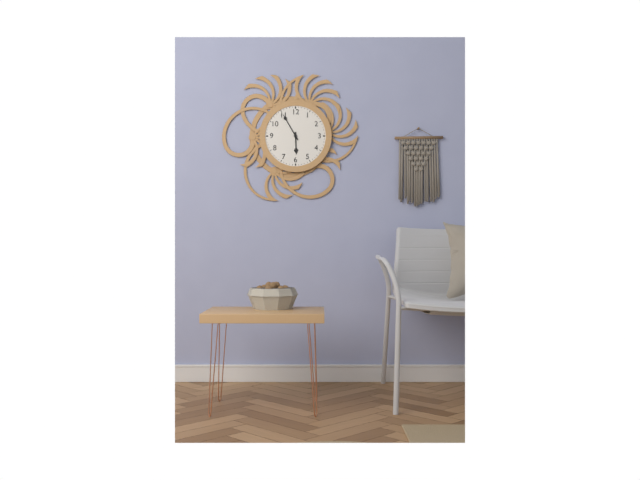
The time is 5:55
